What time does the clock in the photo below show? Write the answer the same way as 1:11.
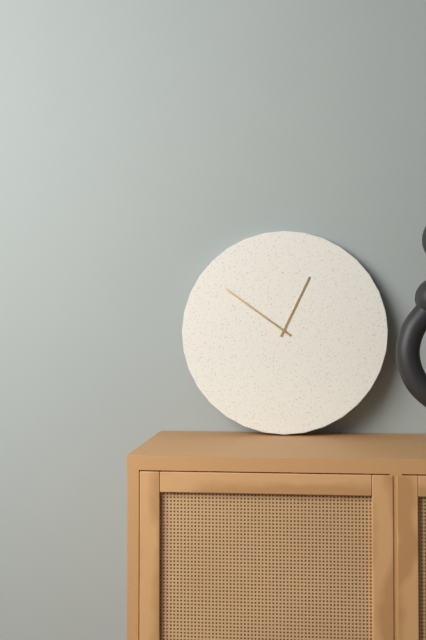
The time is 12:51
